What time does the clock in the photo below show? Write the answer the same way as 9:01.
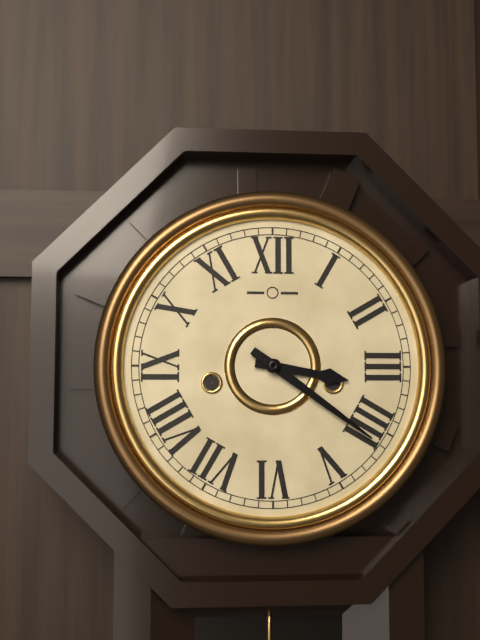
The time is 3:21
